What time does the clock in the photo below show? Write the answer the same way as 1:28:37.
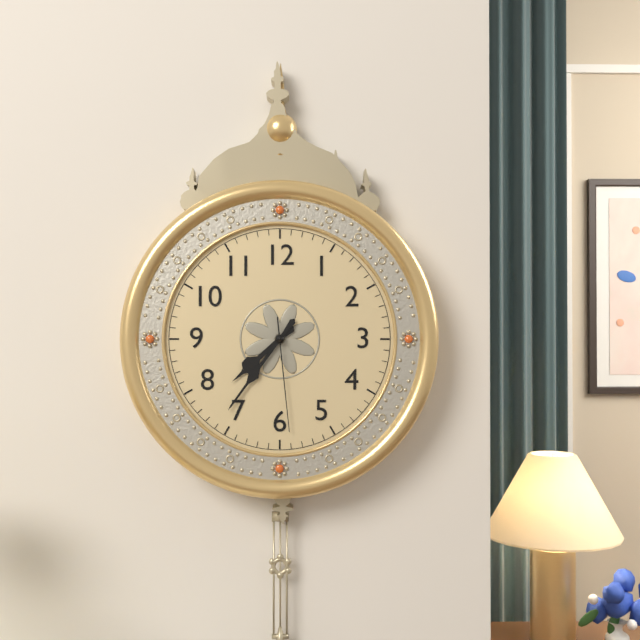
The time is 7:36:29
